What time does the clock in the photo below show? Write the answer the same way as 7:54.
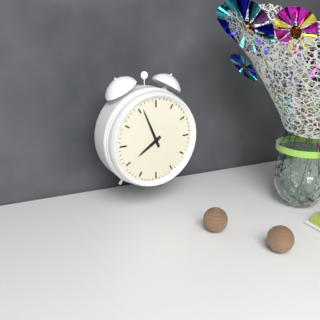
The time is 7:56
